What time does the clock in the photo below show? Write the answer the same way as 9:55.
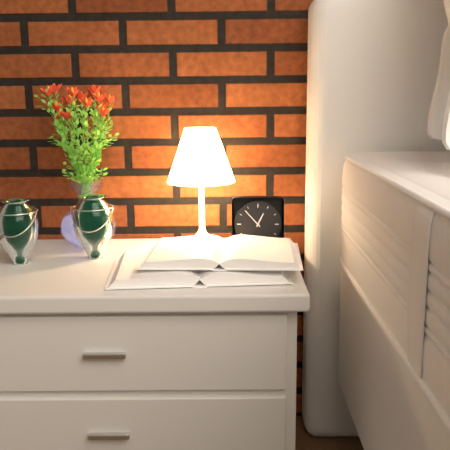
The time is 12:53
